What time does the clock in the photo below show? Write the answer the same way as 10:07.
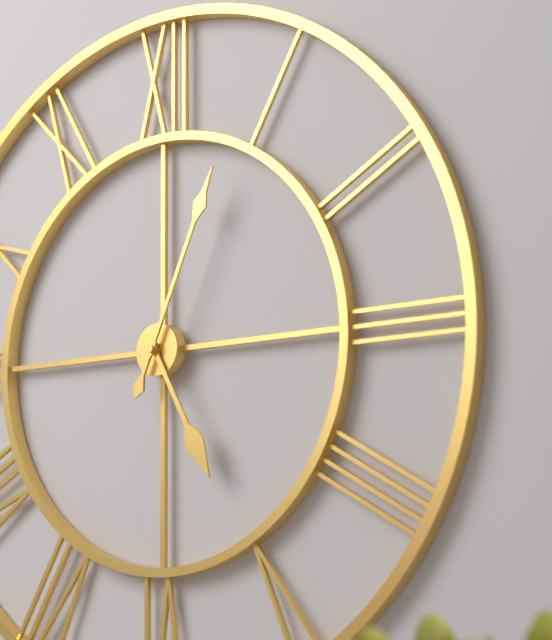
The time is 5:04
